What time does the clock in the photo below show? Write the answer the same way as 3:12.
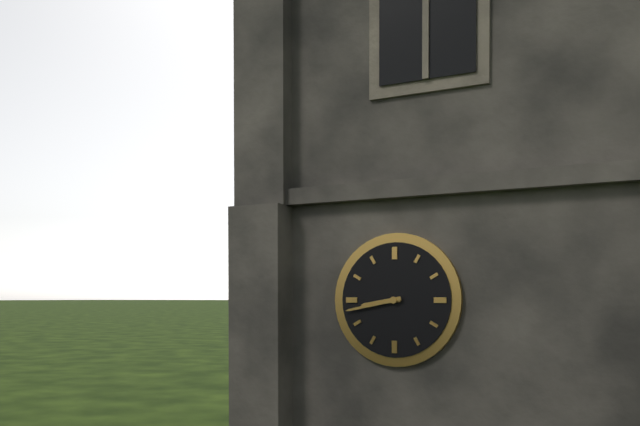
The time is 8:43
